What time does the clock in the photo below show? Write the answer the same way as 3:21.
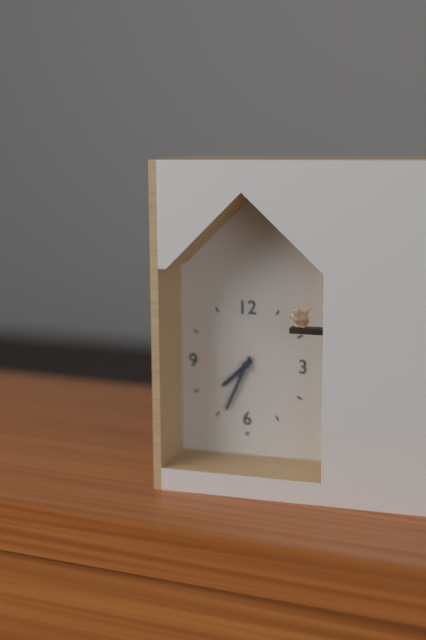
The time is 7:34
